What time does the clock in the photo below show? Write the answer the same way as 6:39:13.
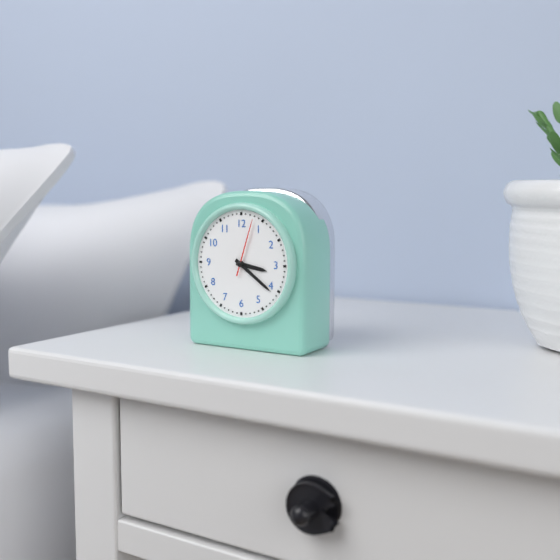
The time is 3:21:03
